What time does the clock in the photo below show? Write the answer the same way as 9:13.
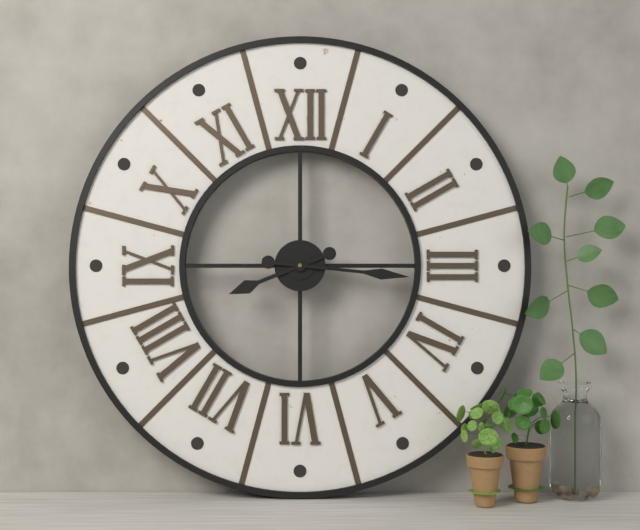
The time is 8:16
